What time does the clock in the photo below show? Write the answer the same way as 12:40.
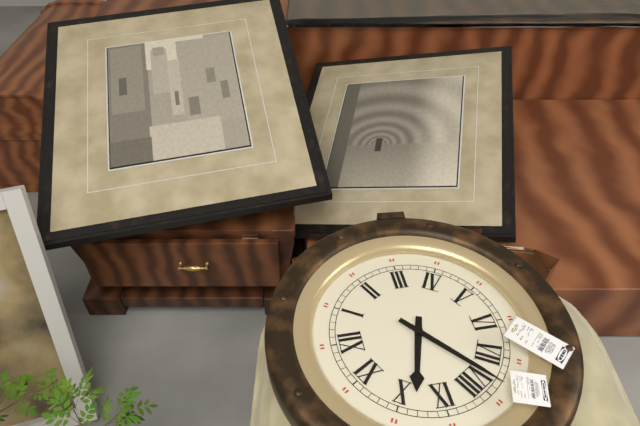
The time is 9:38
